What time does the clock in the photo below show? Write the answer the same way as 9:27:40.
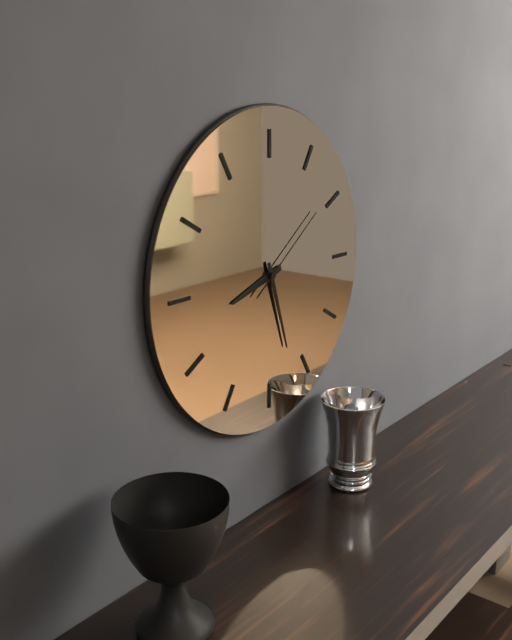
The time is 8:27:09
